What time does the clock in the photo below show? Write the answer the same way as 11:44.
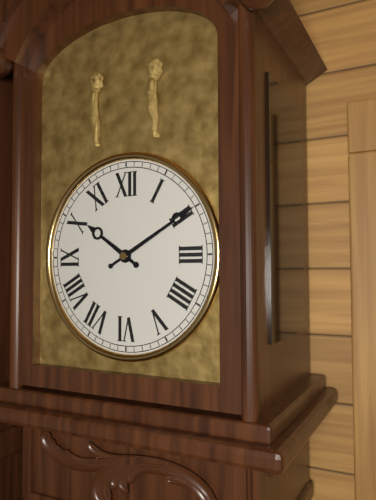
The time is 10:10
